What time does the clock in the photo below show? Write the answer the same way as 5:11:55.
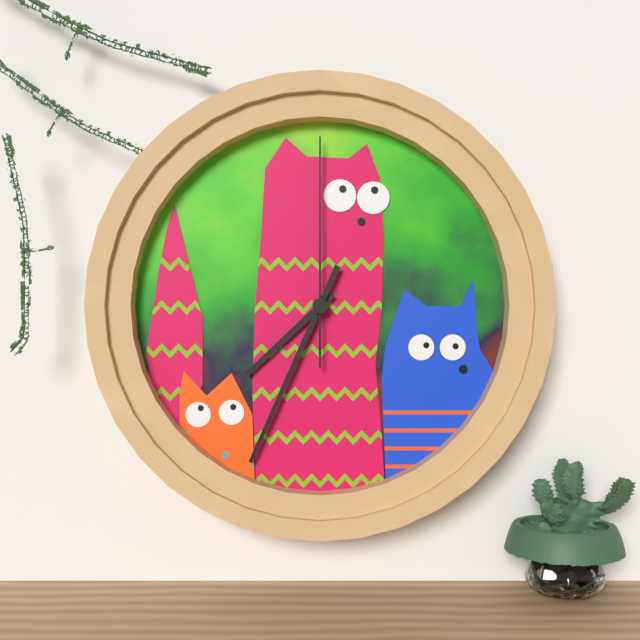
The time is 7:34:00
